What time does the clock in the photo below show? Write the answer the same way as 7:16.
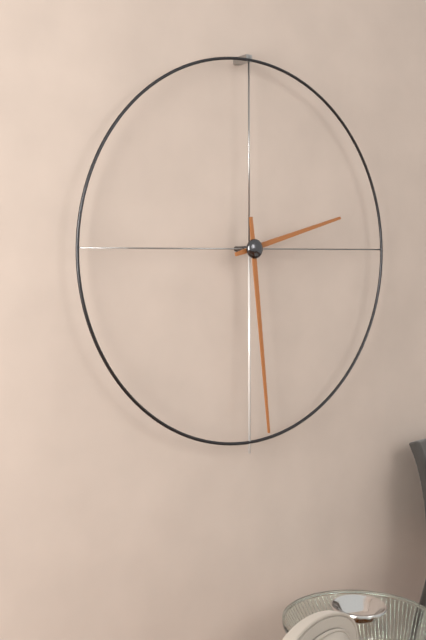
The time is 2:29
